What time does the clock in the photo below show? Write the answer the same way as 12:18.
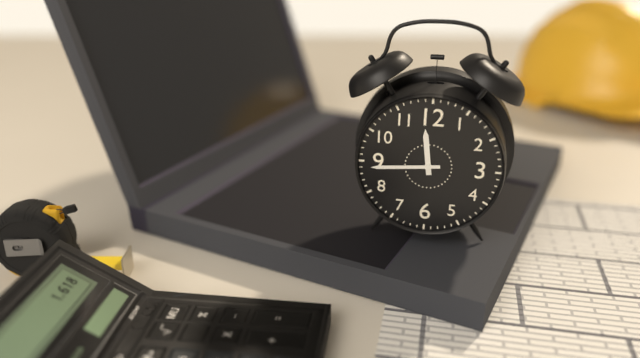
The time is 11:44
